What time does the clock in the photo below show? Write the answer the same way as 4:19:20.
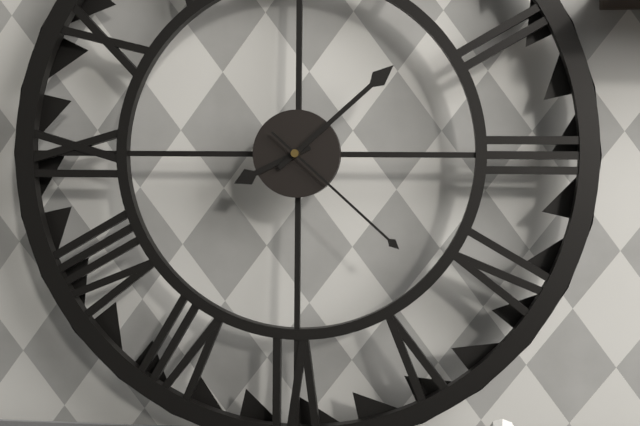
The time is 8:08:22
